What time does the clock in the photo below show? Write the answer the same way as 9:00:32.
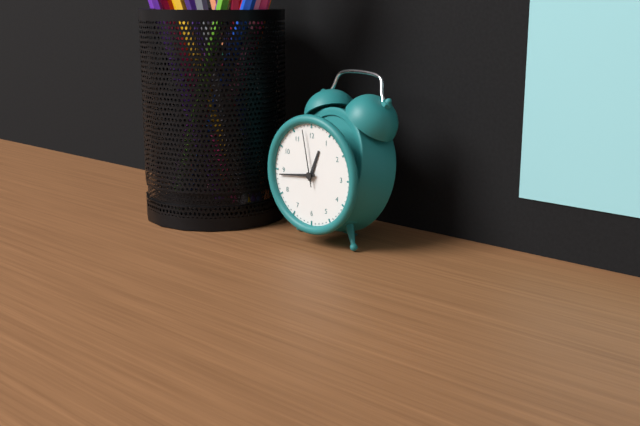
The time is 12:44:58
